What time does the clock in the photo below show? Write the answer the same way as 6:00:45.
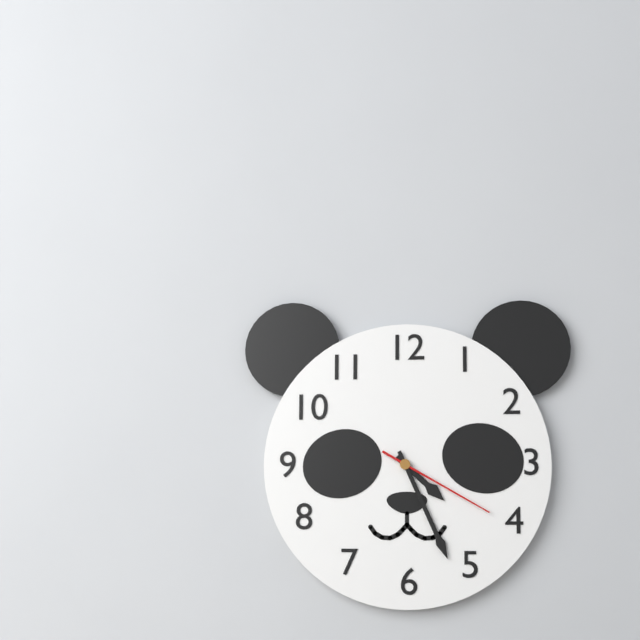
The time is 4:26:20
